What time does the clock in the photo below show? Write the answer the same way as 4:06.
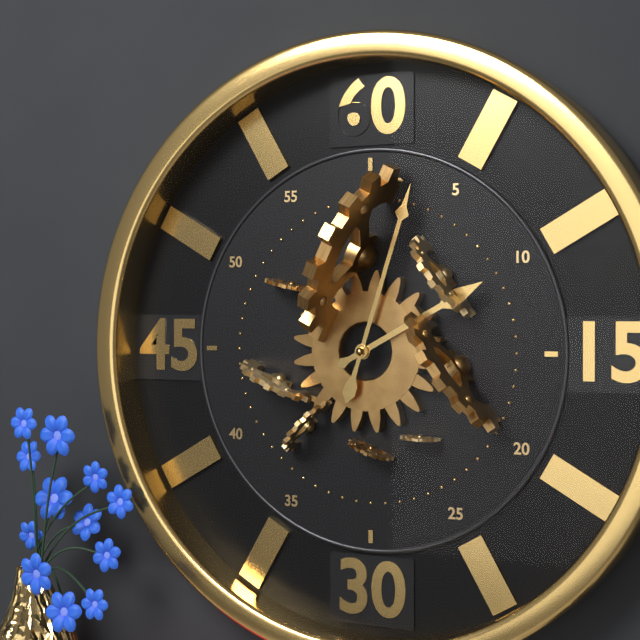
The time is 2:03
